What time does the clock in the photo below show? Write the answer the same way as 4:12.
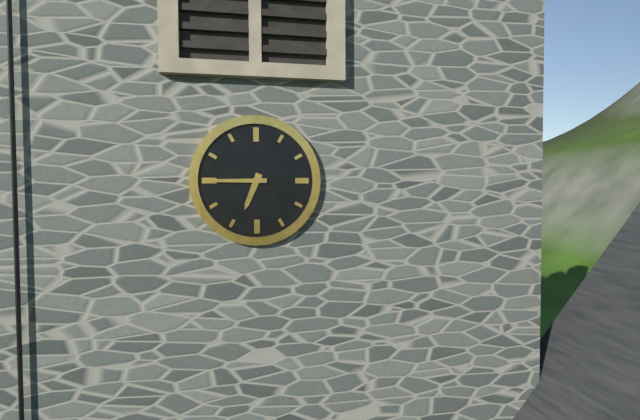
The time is 6:45
